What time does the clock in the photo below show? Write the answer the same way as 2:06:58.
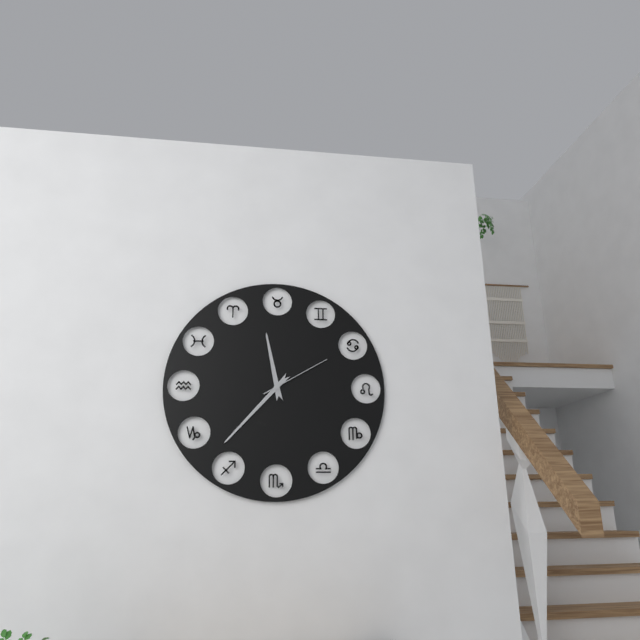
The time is 11:37:10
